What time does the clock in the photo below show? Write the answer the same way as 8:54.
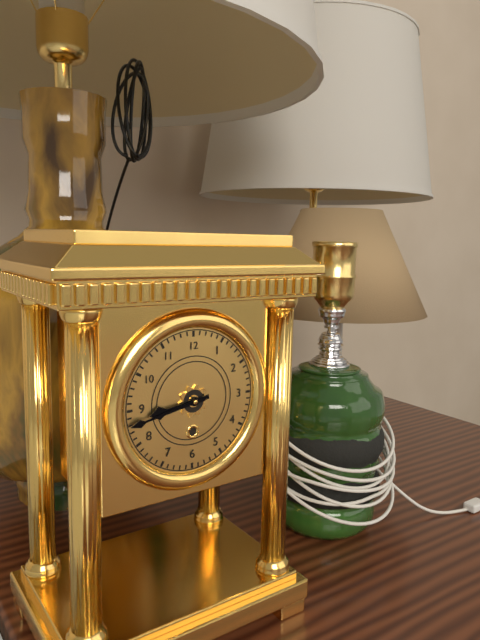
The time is 8:43
